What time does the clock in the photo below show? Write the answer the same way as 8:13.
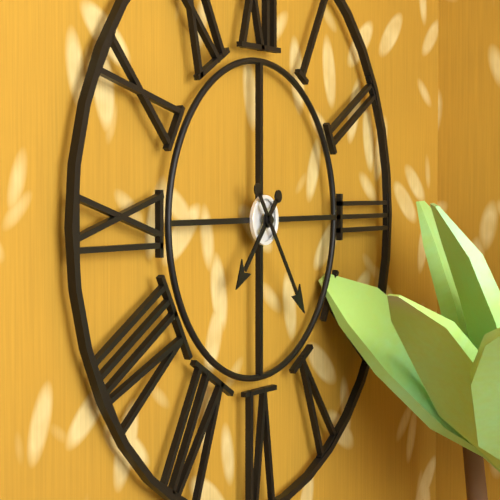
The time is 7:24
